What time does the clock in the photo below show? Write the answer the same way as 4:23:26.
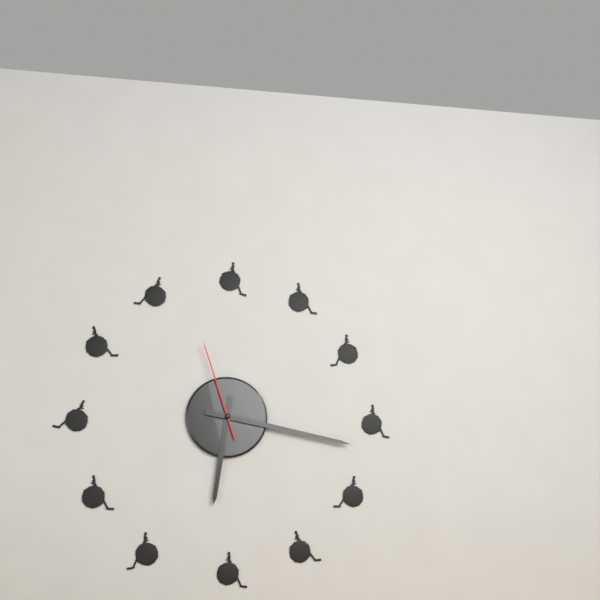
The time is 6:17:57
